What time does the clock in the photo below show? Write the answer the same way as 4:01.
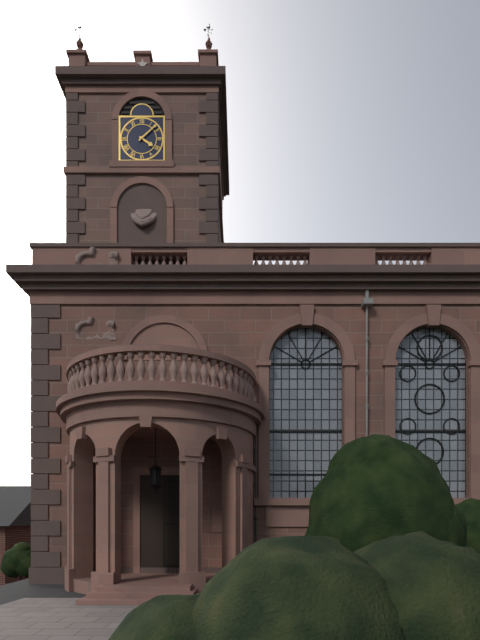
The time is 4:08
